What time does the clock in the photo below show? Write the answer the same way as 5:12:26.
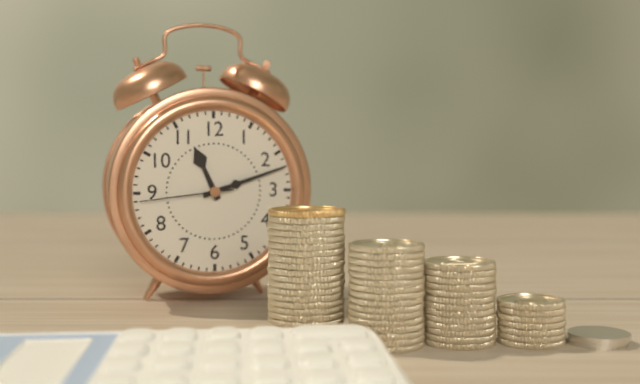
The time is 11:12:44
